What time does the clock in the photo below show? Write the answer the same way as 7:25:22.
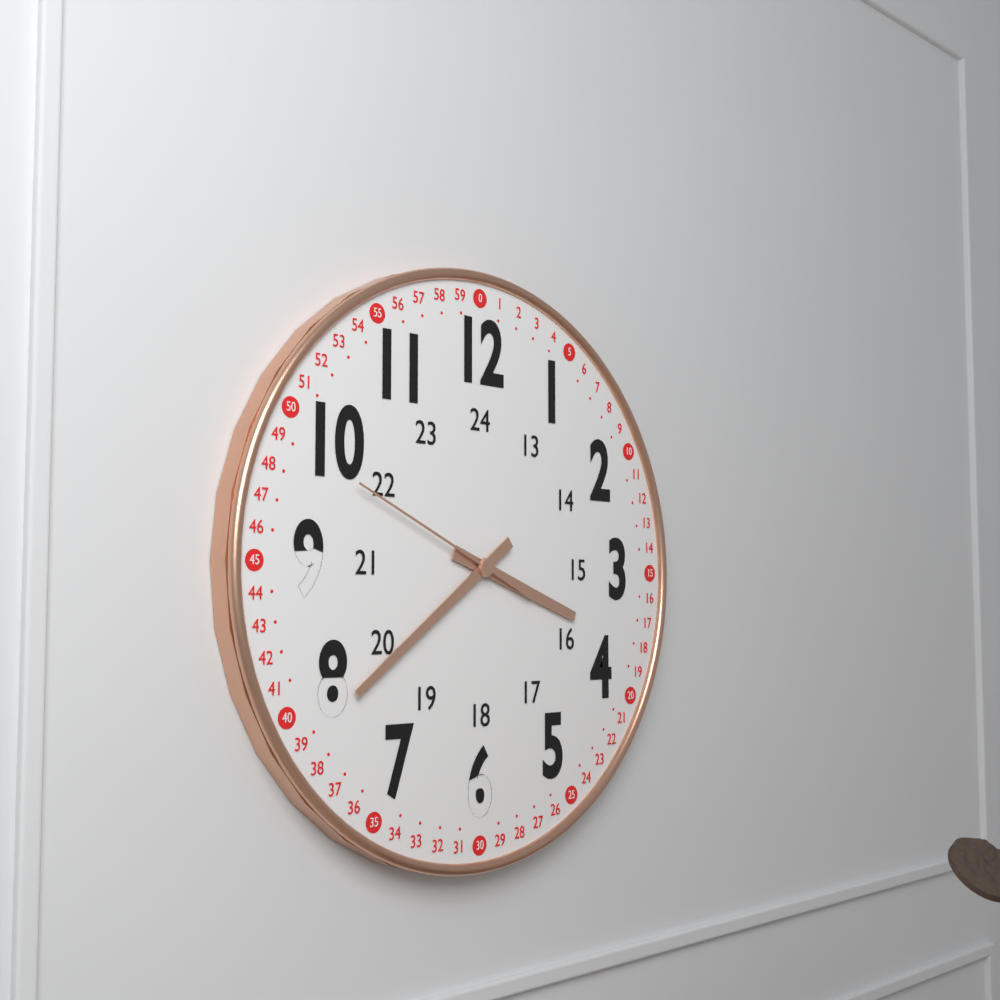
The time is 3:39:49
